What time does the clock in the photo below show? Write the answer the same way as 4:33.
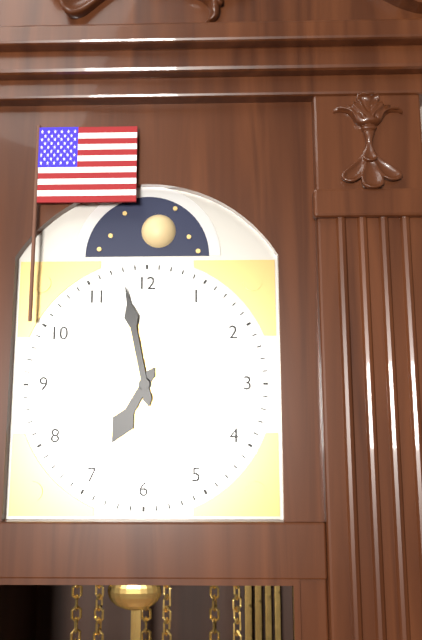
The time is 6:58
